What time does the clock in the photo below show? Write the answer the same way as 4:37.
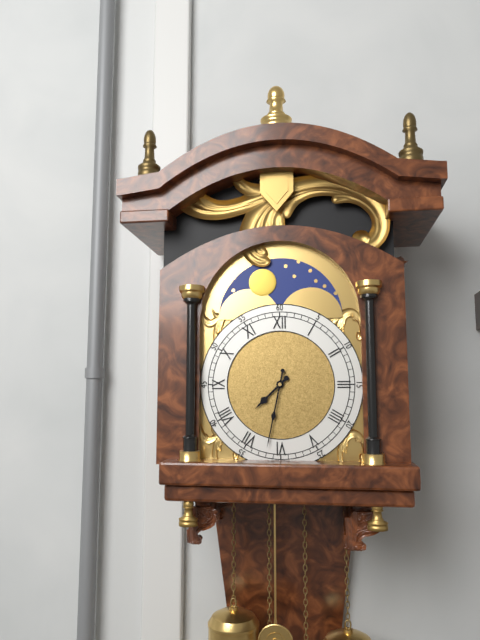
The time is 7:32
